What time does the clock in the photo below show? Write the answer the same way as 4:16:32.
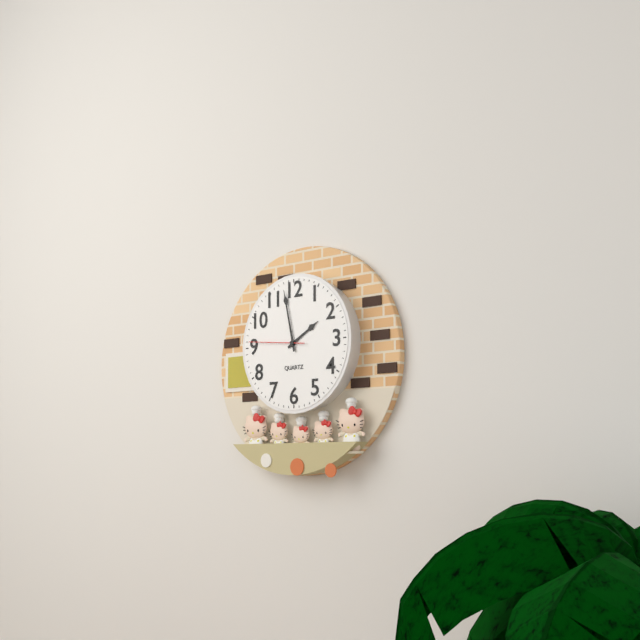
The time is 1:58:46
